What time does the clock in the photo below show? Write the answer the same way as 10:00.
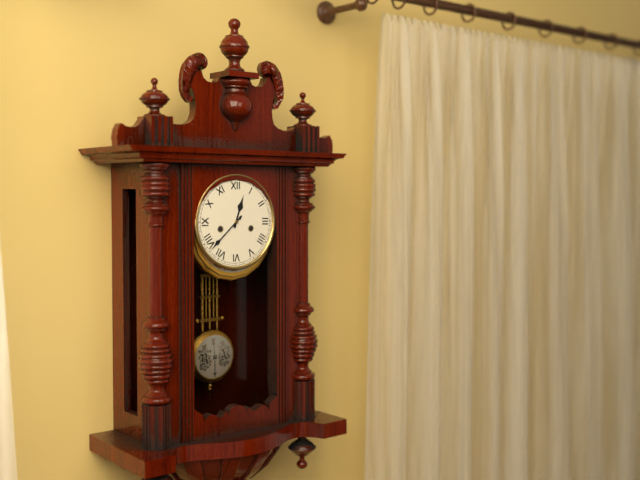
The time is 12:38
